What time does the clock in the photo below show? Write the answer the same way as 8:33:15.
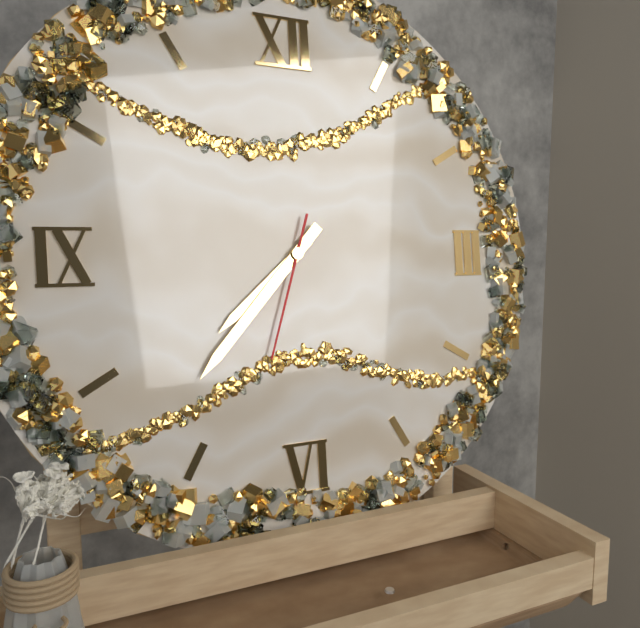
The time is 7:37:33
